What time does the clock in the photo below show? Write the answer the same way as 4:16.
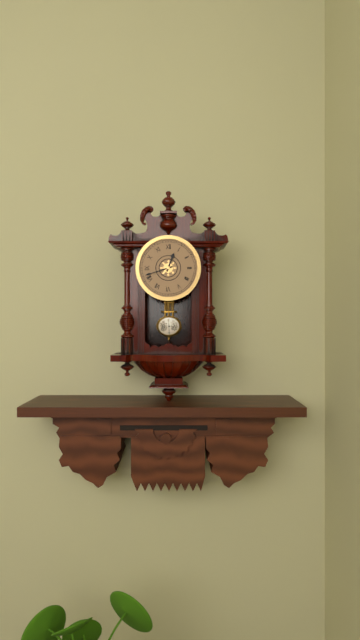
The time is 12:42
